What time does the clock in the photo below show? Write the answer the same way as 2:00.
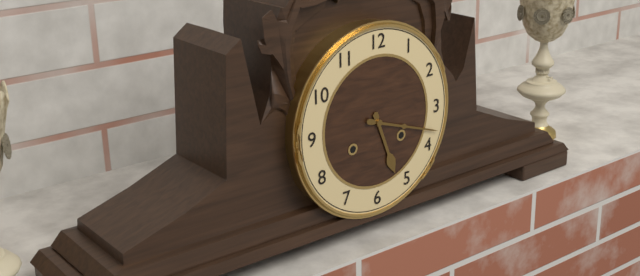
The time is 5:18
